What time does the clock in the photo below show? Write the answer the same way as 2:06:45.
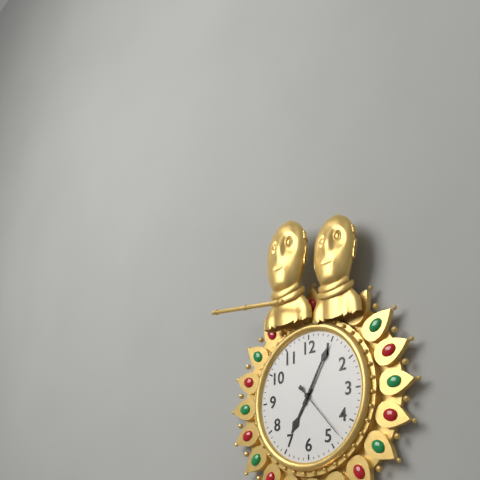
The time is 7:05:23
